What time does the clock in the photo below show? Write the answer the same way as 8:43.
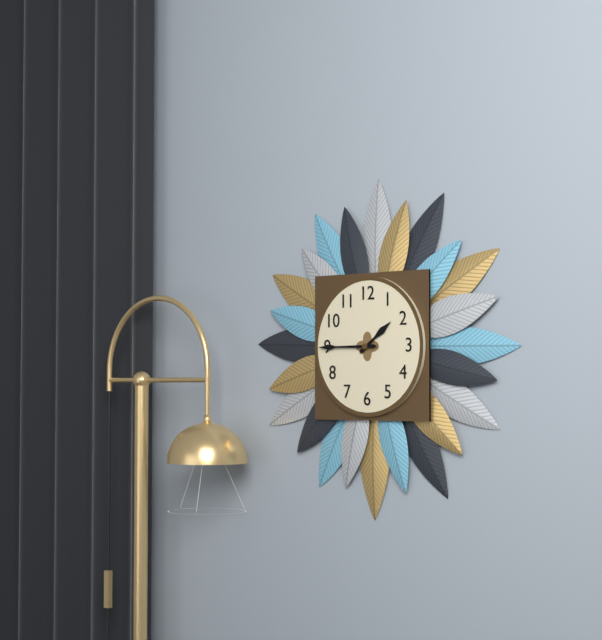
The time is 1:45
